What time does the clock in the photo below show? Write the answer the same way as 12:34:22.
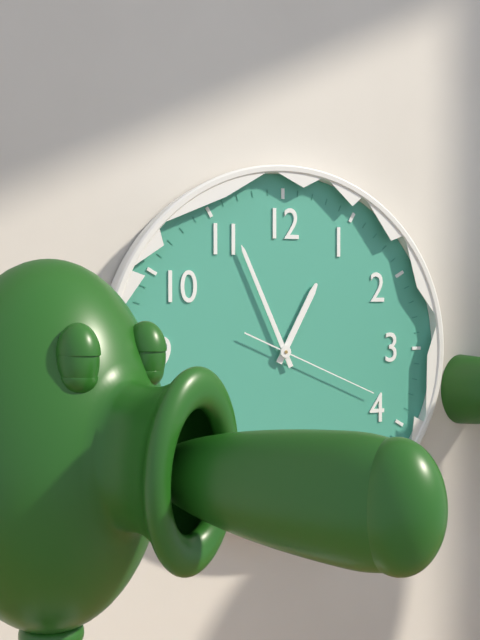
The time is 12:56:19
